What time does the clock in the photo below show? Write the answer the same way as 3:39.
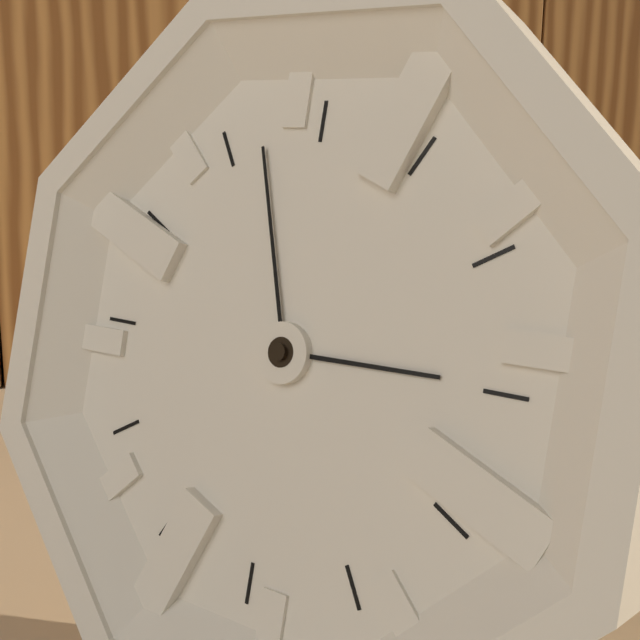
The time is 2:57
